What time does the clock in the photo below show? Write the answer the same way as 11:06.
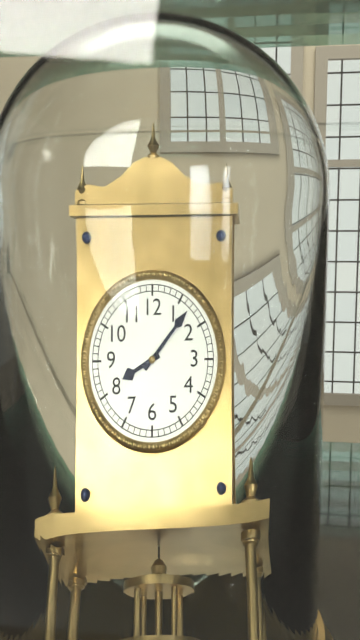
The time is 8:07
